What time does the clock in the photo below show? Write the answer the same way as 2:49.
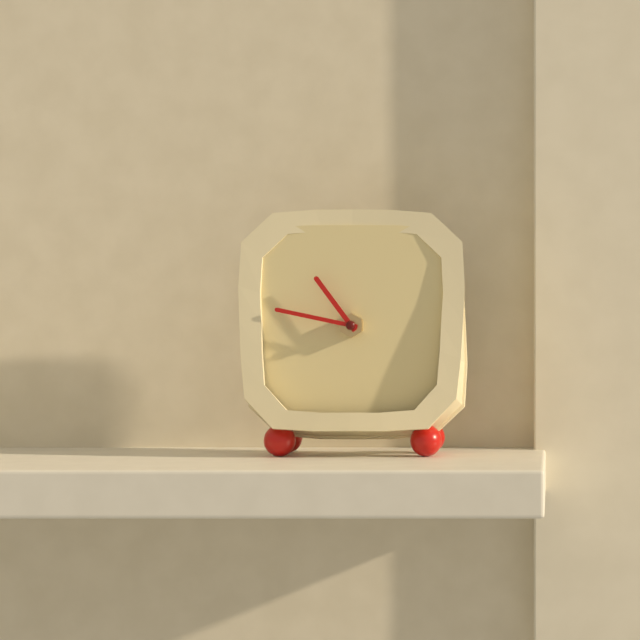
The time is 10:47
